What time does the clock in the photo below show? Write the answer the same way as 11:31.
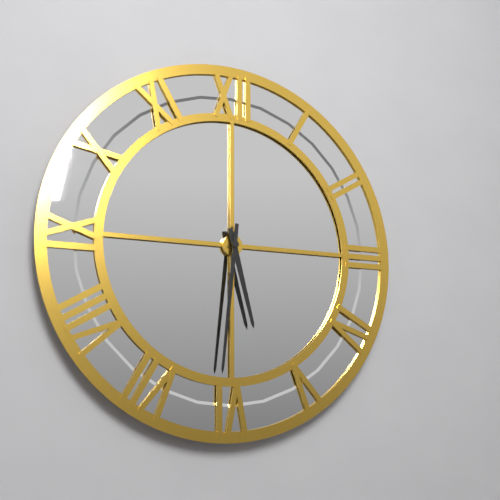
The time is 5:31
